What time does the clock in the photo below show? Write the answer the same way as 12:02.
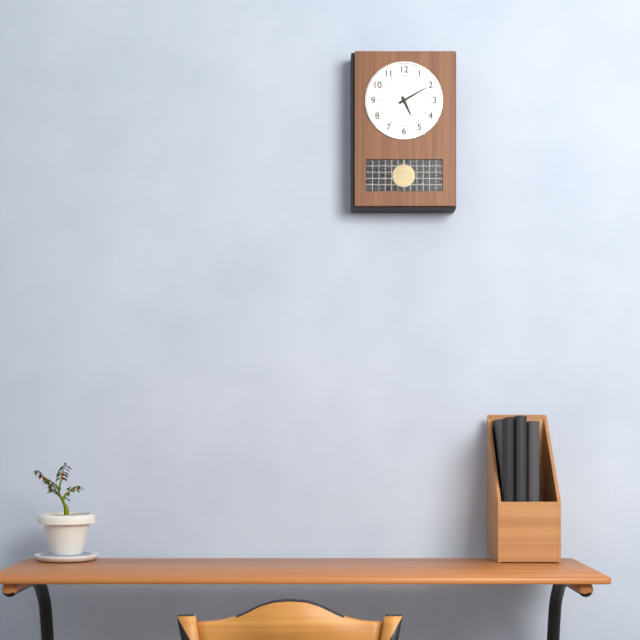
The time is 5:10
